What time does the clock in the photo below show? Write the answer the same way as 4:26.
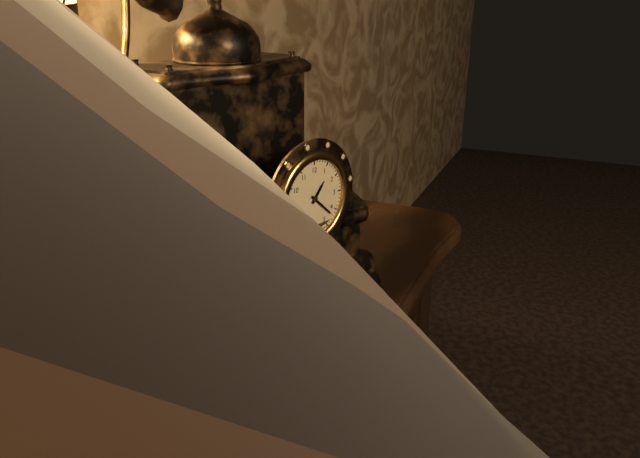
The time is 1:22
